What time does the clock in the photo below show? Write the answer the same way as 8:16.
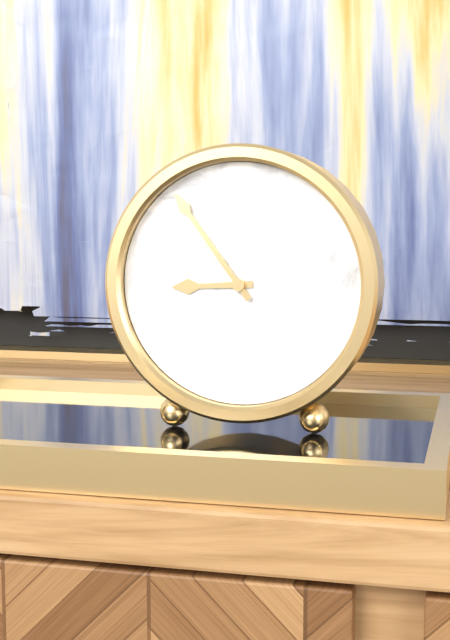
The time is 8:54
